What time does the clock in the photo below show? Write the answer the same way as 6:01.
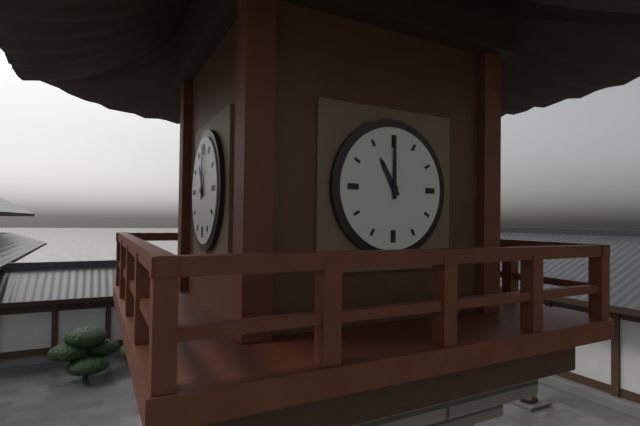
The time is 11:00
